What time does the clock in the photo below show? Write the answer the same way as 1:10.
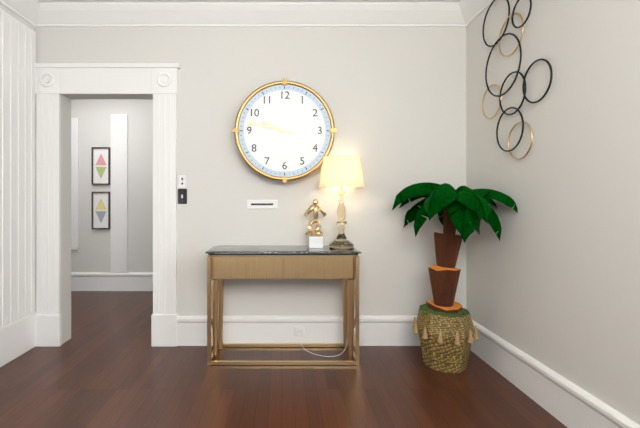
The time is 9:47
